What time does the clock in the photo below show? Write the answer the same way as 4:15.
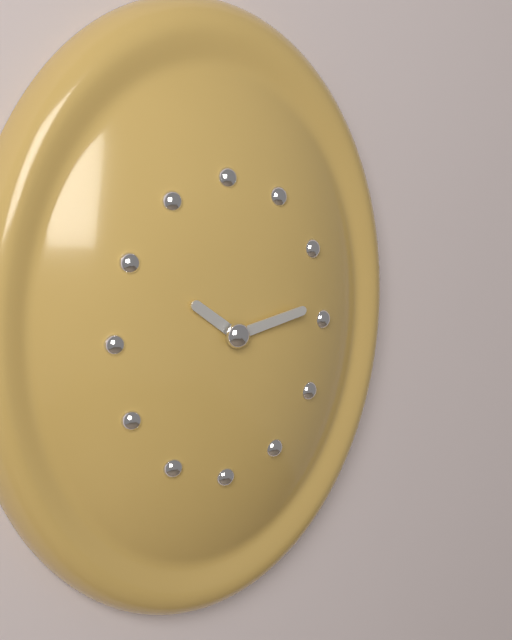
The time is 10:13
